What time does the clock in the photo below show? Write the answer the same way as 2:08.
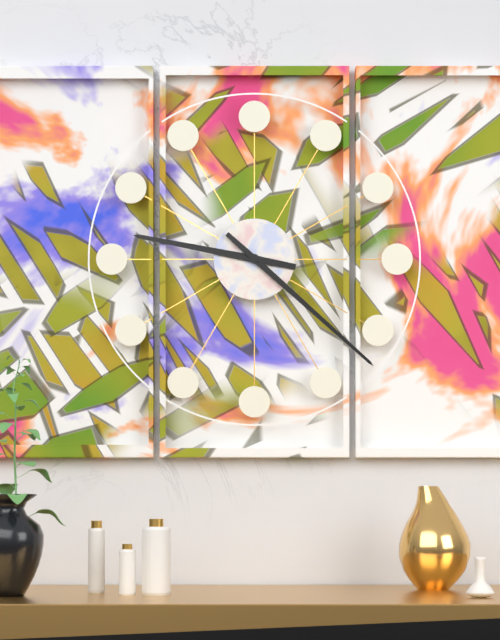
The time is 9:22
